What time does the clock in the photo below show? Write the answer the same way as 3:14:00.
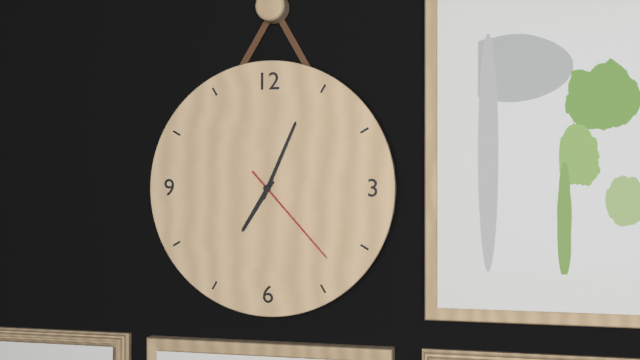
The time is 7:04:23
